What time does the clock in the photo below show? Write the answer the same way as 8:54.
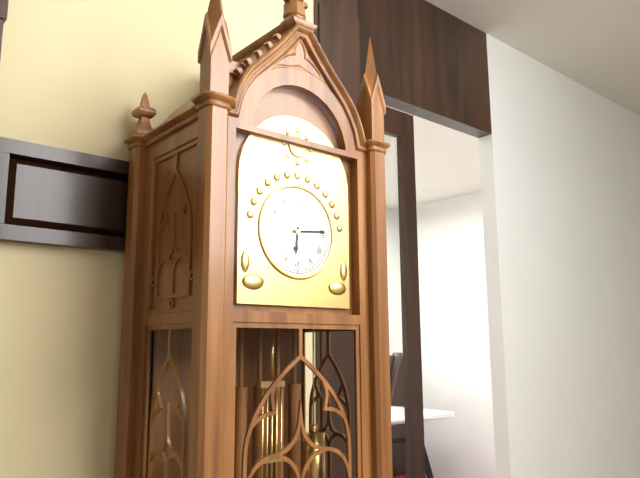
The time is 6:14
